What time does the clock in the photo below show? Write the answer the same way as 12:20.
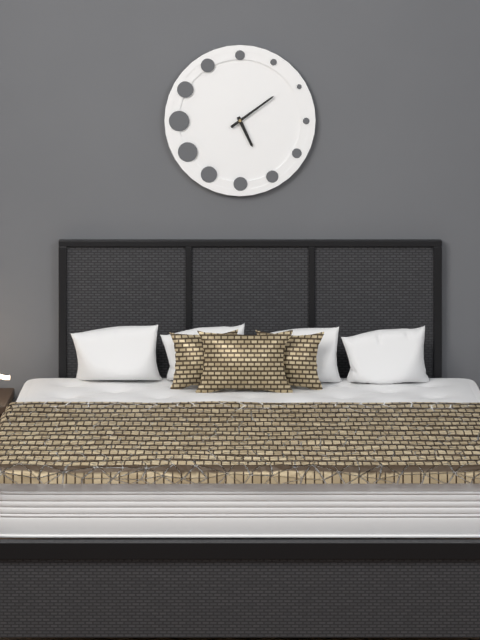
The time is 5:09
